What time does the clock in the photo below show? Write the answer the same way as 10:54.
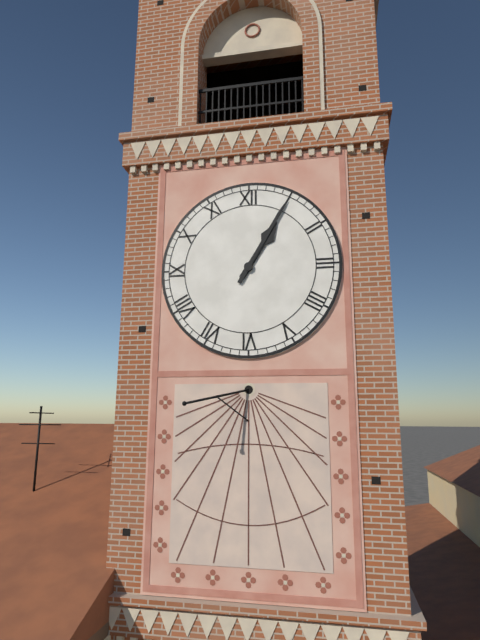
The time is 1:05
